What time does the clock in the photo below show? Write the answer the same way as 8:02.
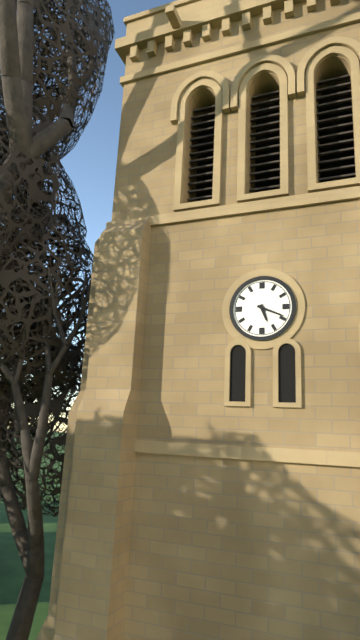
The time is 5:19
